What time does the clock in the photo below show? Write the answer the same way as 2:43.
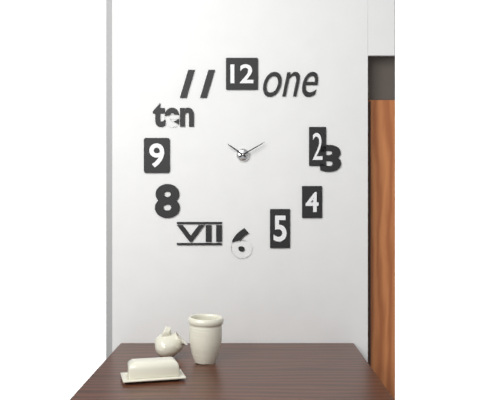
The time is 10:10
